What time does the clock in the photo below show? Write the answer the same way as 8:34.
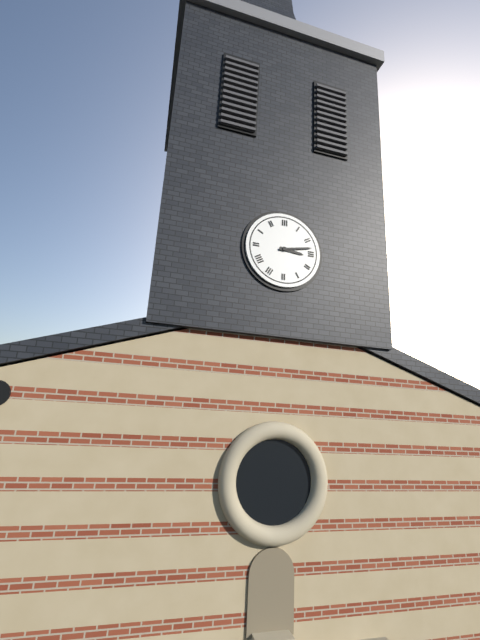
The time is 3:13
